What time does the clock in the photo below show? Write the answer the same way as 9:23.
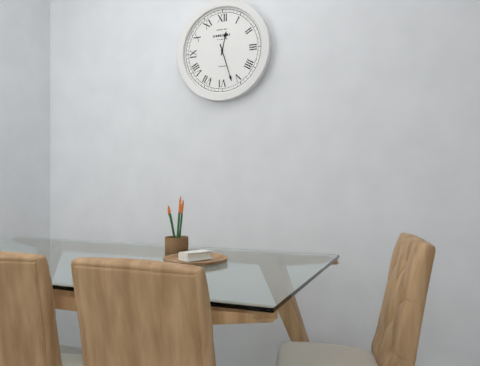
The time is 12:27
